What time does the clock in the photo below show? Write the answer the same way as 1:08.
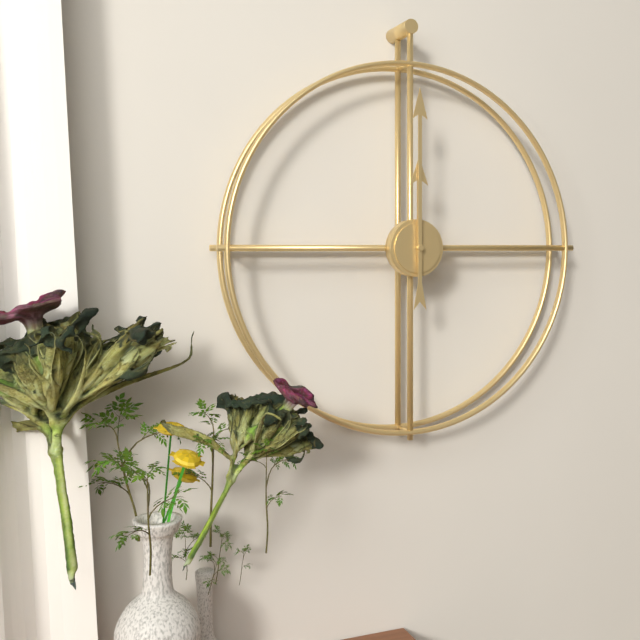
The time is 12:00
